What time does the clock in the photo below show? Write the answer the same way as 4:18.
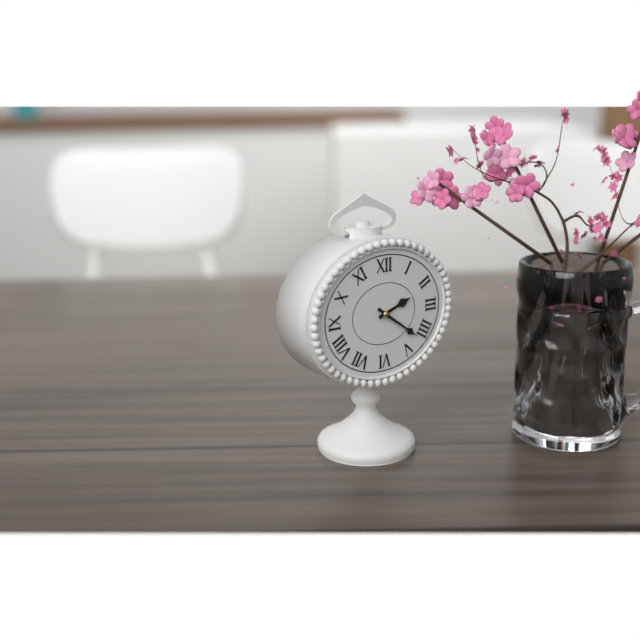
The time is 2:21
